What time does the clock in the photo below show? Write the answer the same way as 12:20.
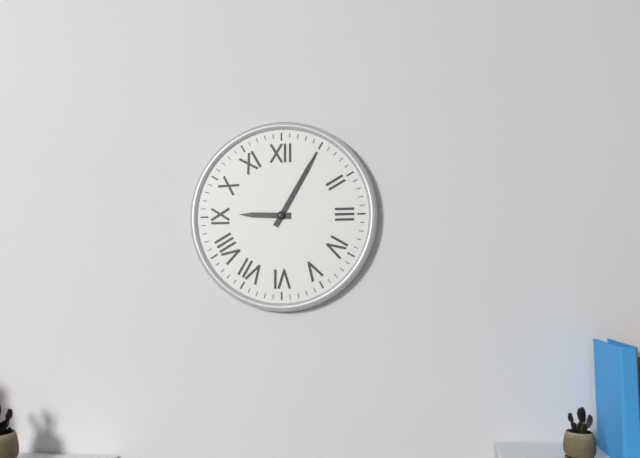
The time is 9:05
